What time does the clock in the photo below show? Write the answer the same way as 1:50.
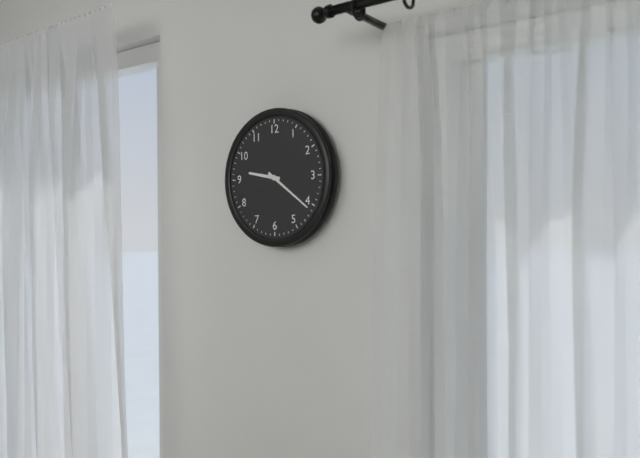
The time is 9:21
